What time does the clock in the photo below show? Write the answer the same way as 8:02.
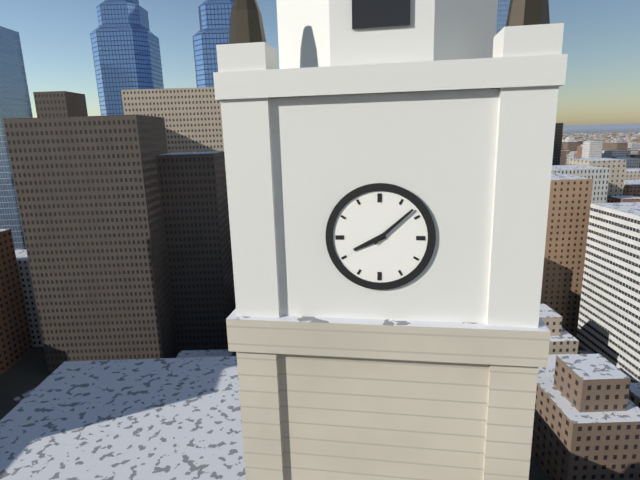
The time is 8:08
